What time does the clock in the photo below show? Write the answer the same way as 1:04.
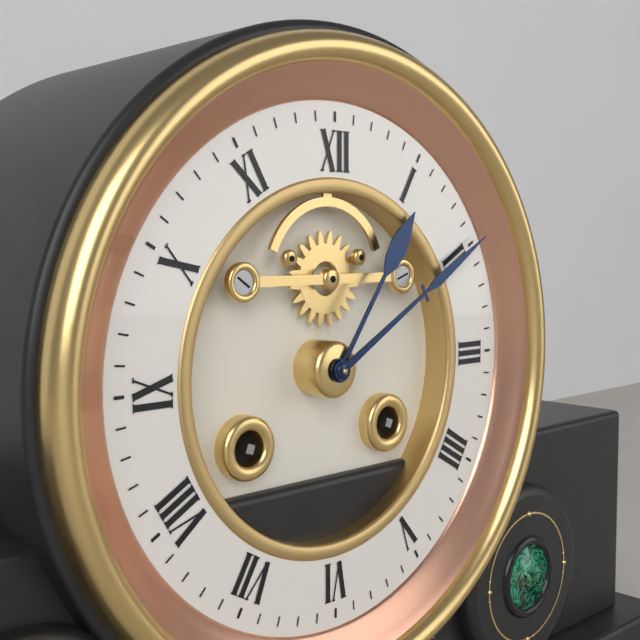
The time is 1:10
